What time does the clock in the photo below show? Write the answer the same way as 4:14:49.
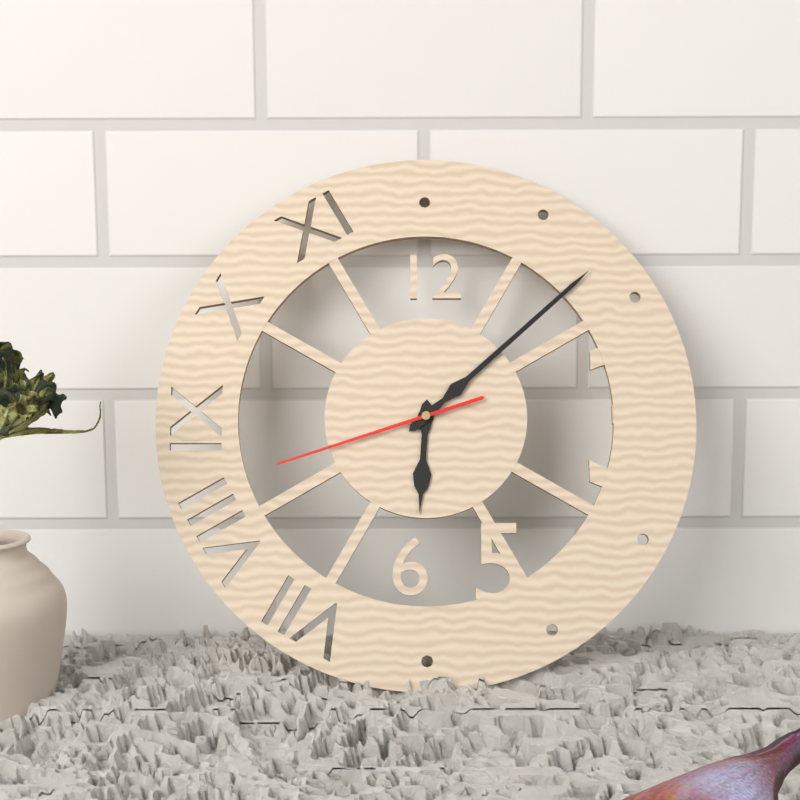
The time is 6:08:42
